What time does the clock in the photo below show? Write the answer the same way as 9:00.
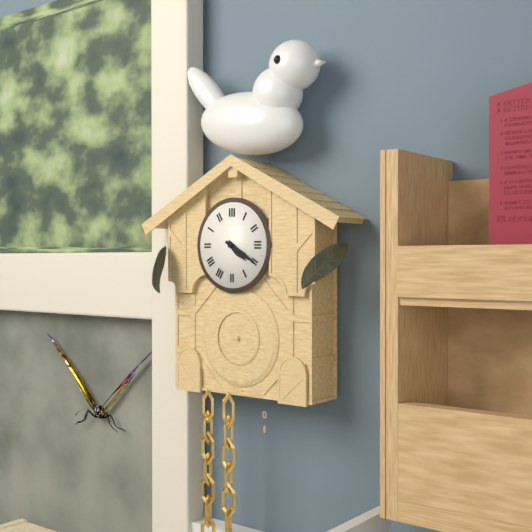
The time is 4:20
